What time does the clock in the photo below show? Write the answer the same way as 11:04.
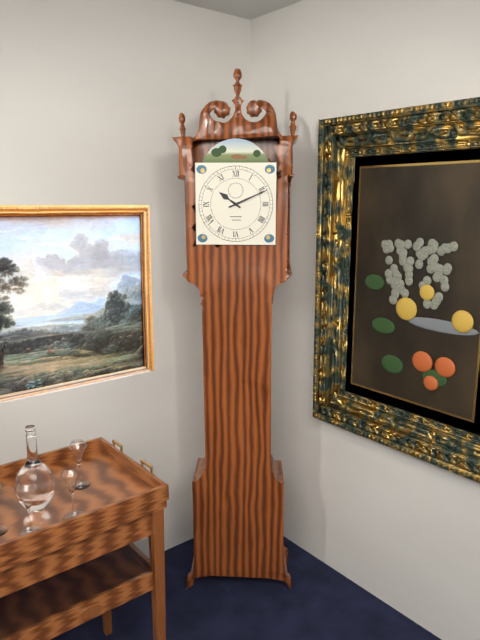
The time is 10:11
